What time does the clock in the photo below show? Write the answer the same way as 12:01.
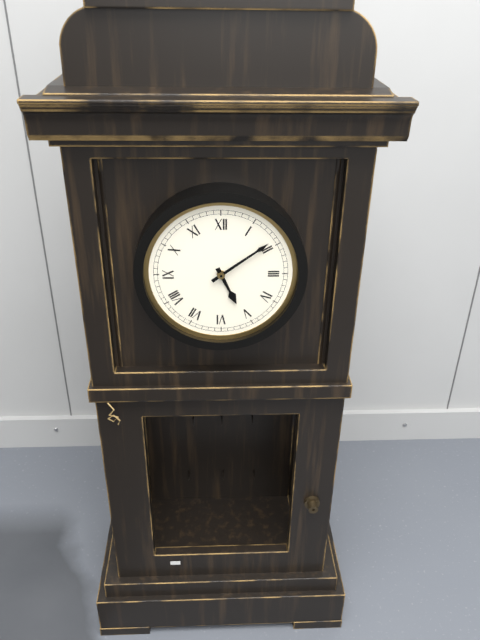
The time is 5:09
